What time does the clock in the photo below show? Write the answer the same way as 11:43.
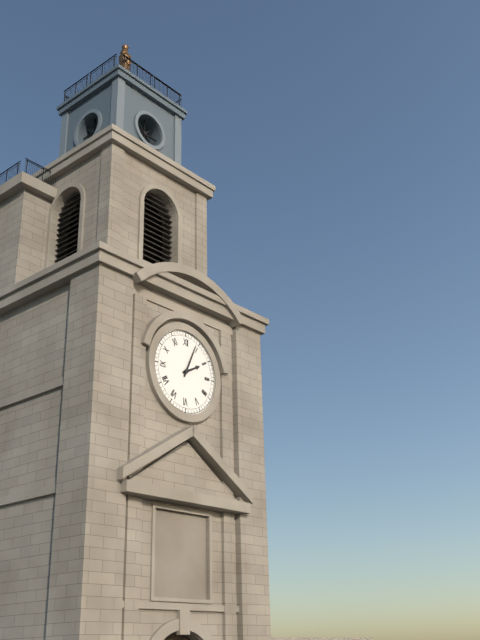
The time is 2:04
